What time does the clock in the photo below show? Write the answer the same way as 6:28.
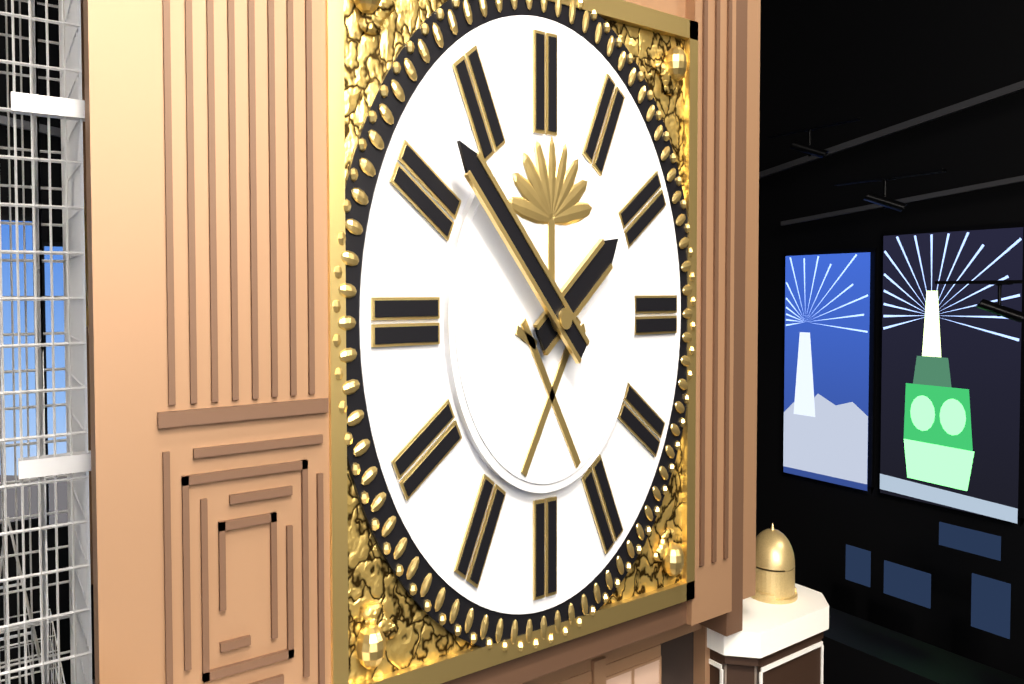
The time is 1:52
